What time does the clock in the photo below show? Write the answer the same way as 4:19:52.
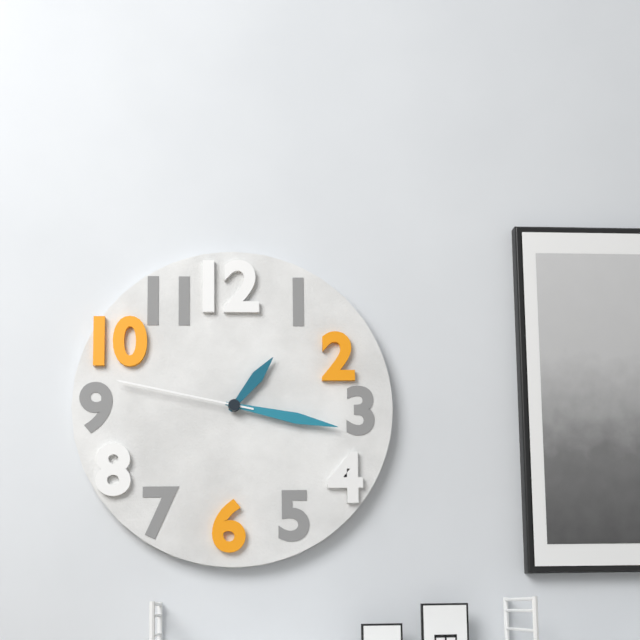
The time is 1:17:47
